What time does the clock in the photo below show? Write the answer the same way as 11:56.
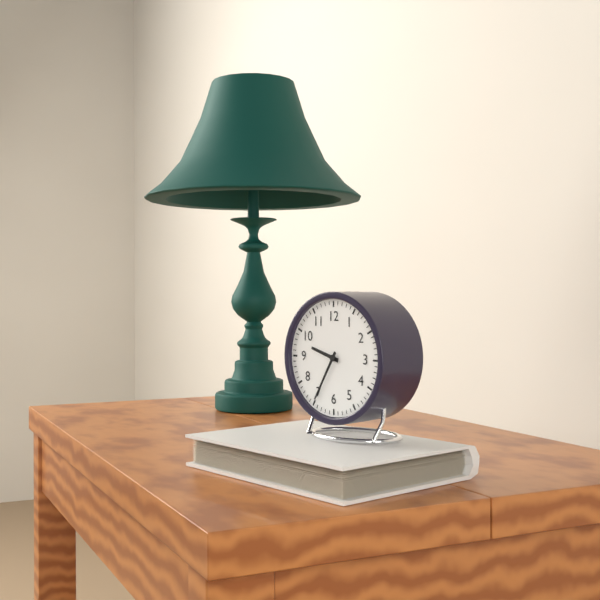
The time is 9:35
